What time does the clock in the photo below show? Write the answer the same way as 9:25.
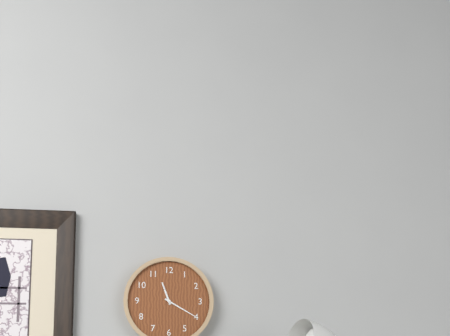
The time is 11:20
